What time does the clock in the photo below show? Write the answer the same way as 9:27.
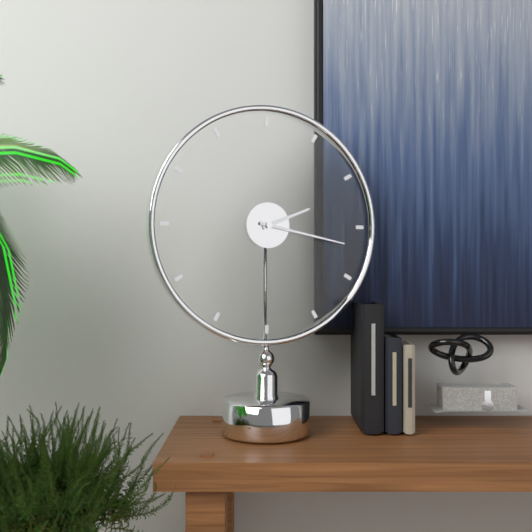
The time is 2:17
